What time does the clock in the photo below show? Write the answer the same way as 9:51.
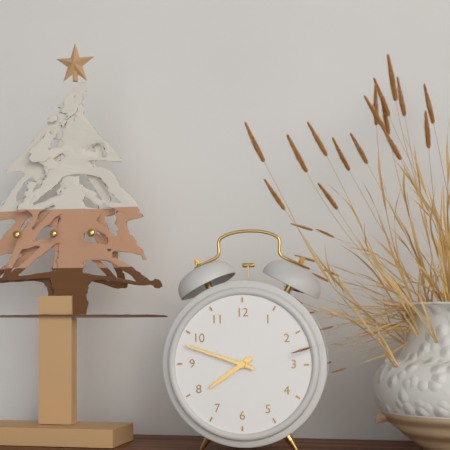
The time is 7:48
